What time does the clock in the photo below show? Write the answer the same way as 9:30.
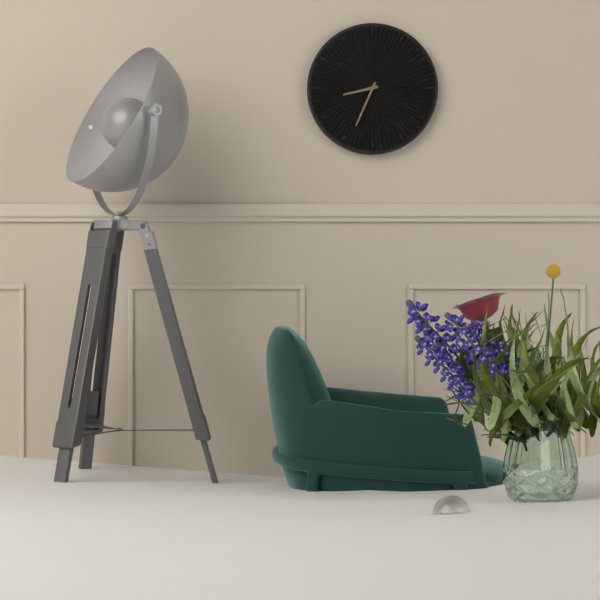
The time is 8:34
